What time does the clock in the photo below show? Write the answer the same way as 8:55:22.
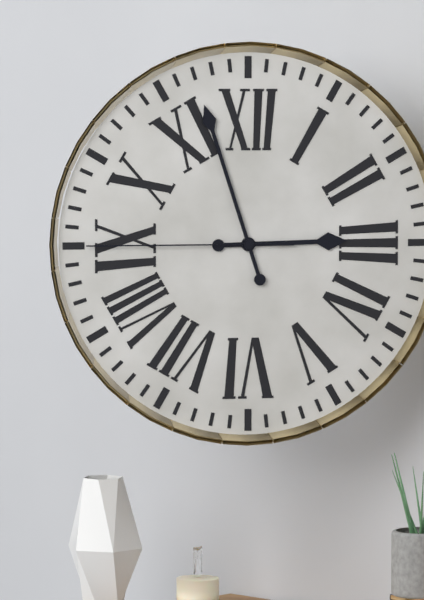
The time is 2:57:45
